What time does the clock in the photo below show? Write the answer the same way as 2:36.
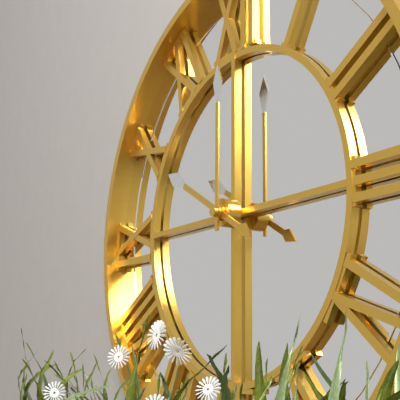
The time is 10:00
